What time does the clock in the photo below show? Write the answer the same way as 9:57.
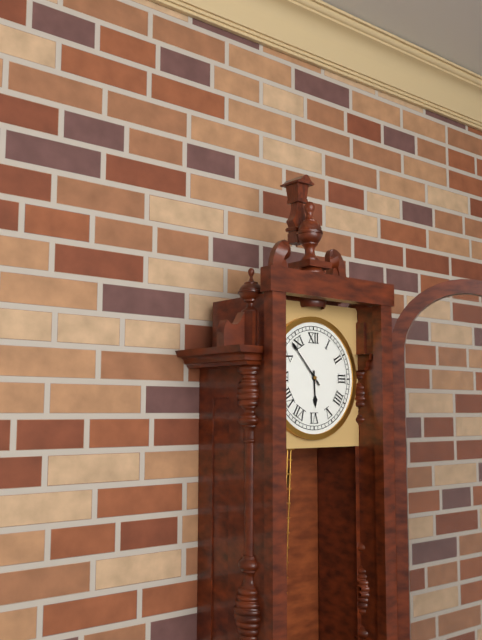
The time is 5:53
